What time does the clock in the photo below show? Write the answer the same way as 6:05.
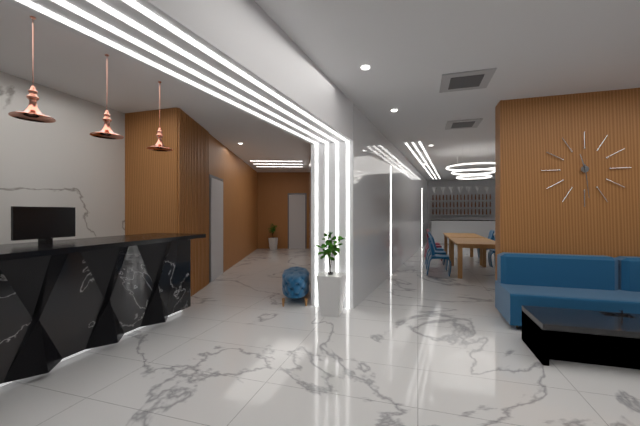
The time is 11:29
